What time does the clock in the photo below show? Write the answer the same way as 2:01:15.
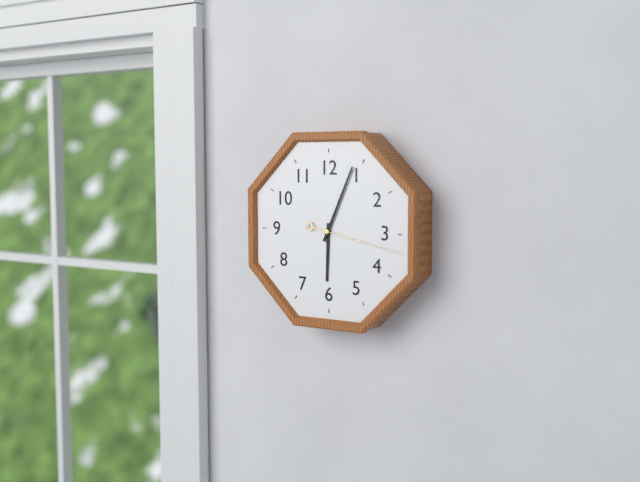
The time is 6:04:17
